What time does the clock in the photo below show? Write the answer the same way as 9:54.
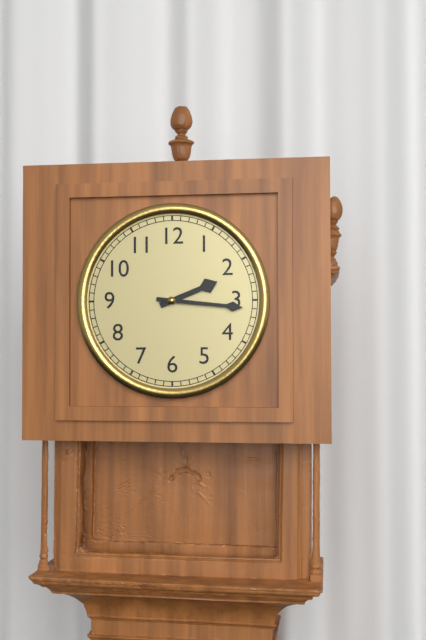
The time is 2:16
